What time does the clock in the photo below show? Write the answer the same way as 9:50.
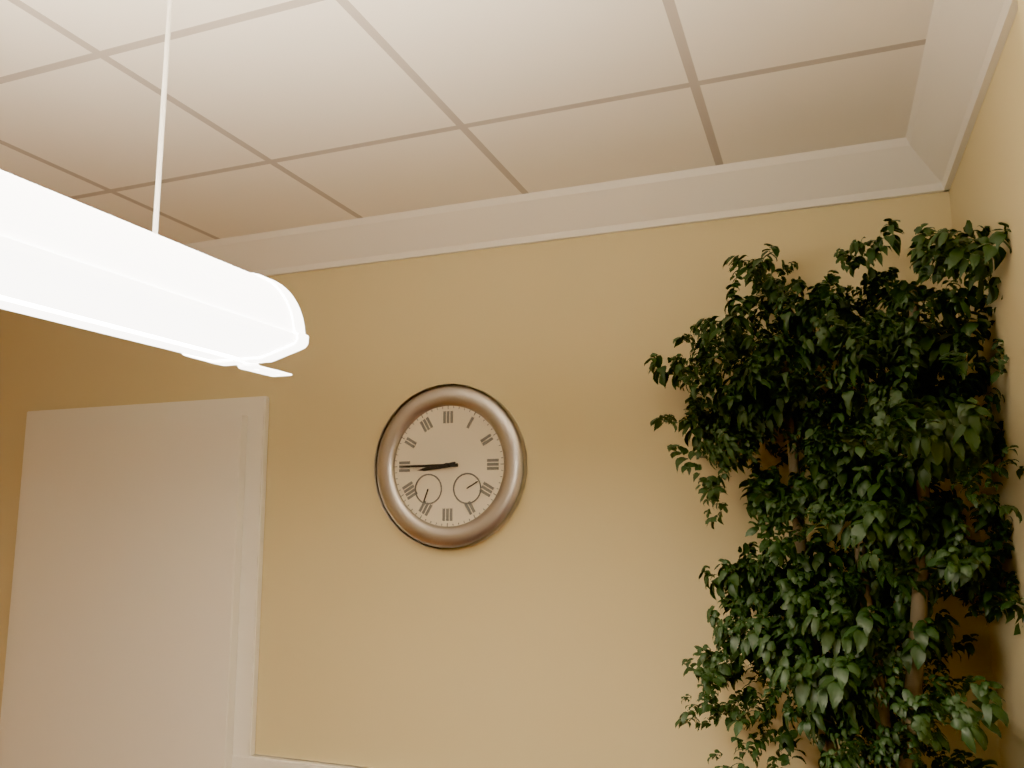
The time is 8:45
